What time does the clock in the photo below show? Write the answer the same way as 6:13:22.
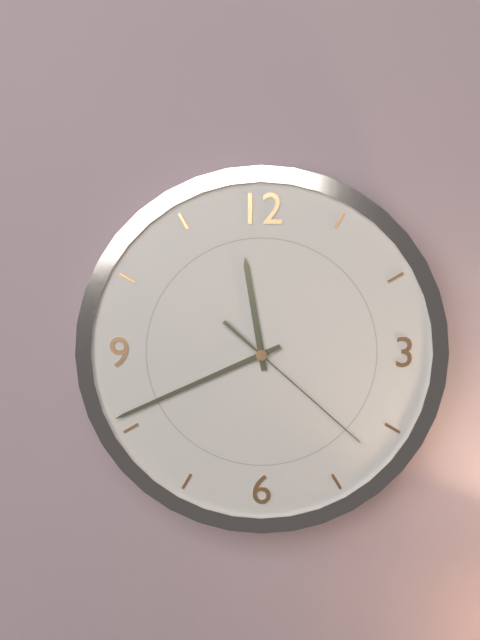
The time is 11:41:22
